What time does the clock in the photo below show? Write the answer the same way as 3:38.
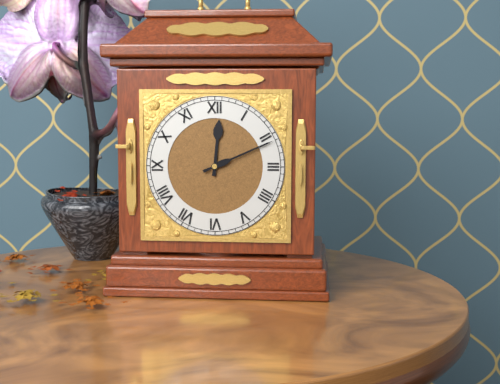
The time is 12:11
